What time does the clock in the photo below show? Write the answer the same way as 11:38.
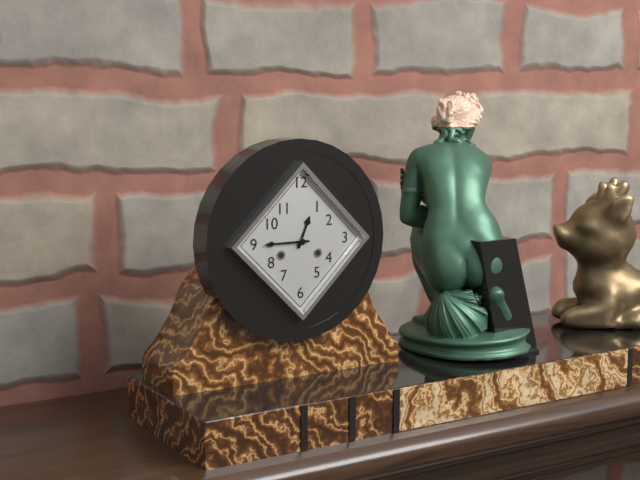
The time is 12:45
